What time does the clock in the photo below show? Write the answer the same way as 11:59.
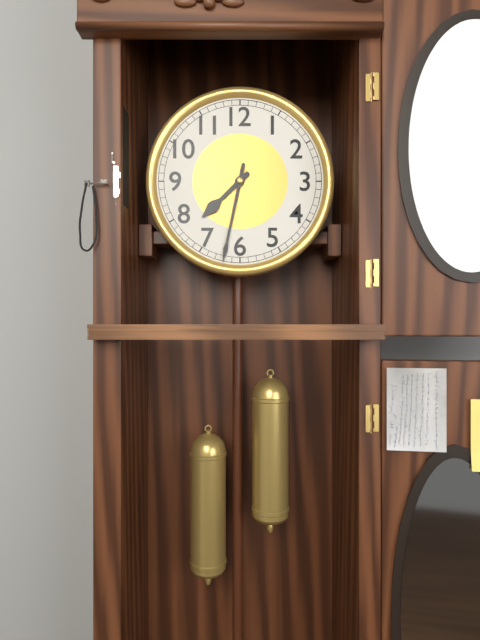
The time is 7:32
